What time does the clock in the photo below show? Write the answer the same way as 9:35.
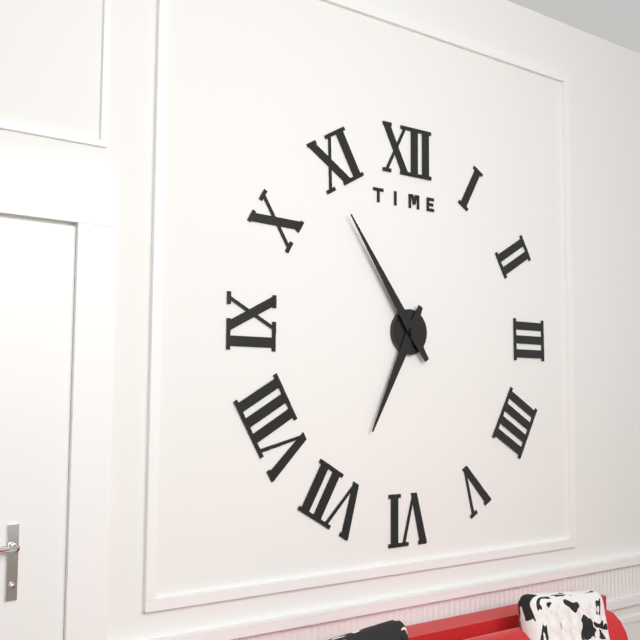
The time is 6:54
